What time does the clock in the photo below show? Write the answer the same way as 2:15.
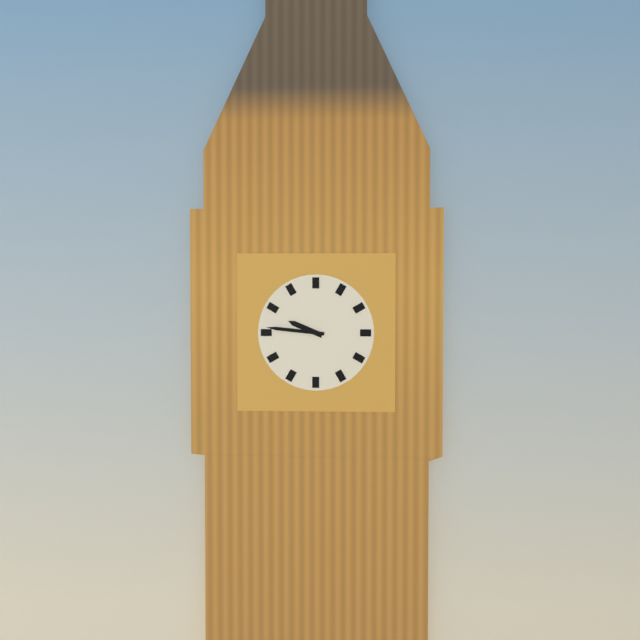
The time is 9:46
